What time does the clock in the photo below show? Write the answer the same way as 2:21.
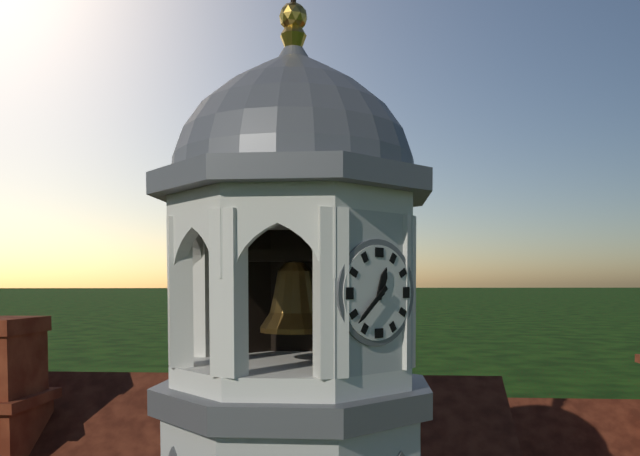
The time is 12:38
